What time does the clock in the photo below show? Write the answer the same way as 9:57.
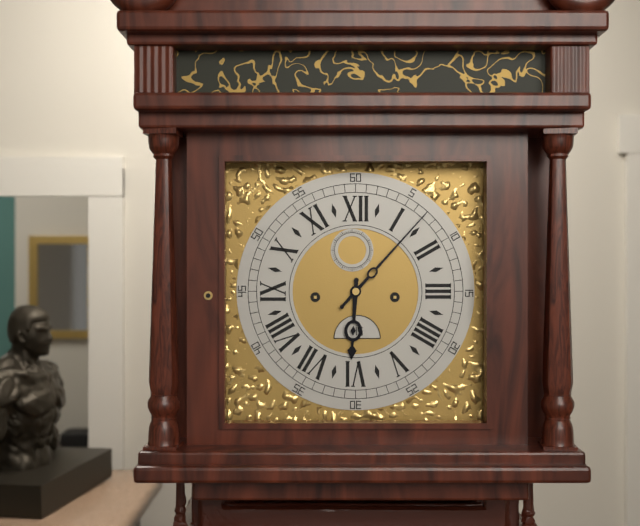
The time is 6:07
